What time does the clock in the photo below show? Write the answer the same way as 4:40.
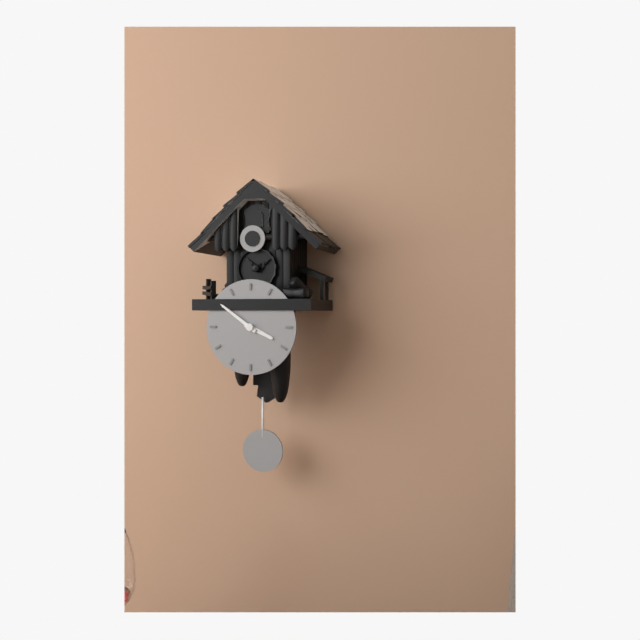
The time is 3:51
